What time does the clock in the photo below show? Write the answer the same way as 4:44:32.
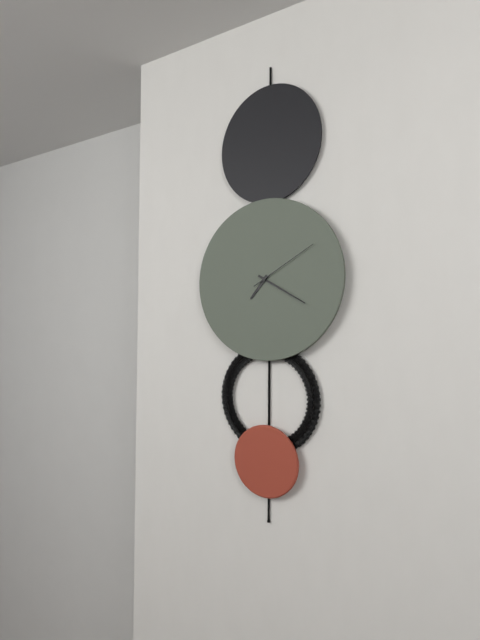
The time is 7:20:10
